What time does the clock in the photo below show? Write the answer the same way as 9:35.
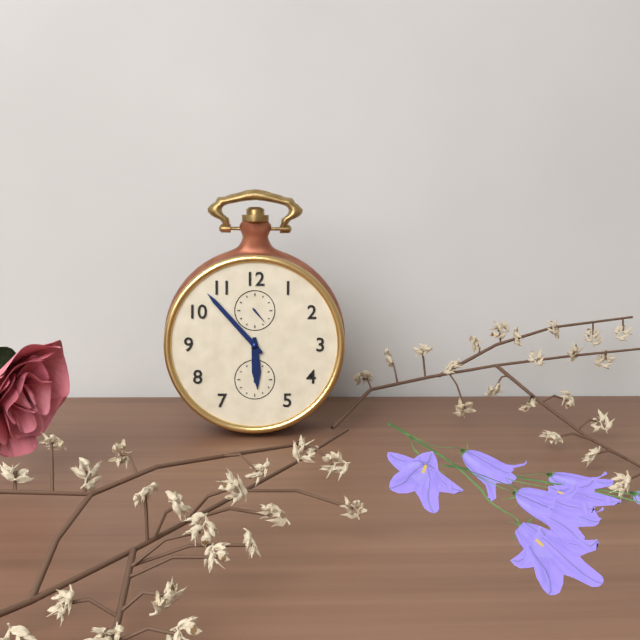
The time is 5:53
